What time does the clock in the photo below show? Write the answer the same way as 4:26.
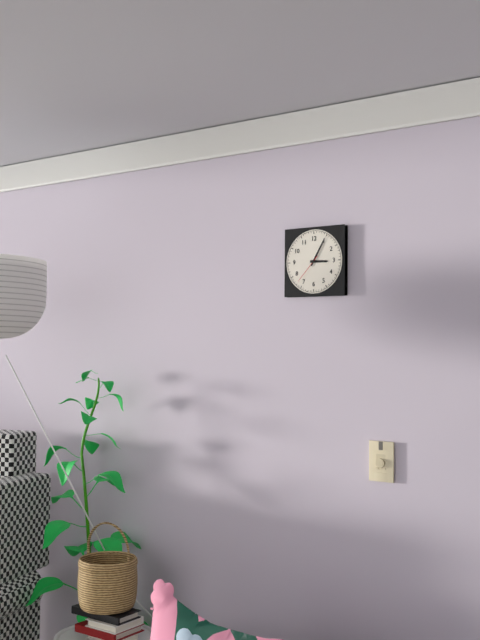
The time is 3:05
